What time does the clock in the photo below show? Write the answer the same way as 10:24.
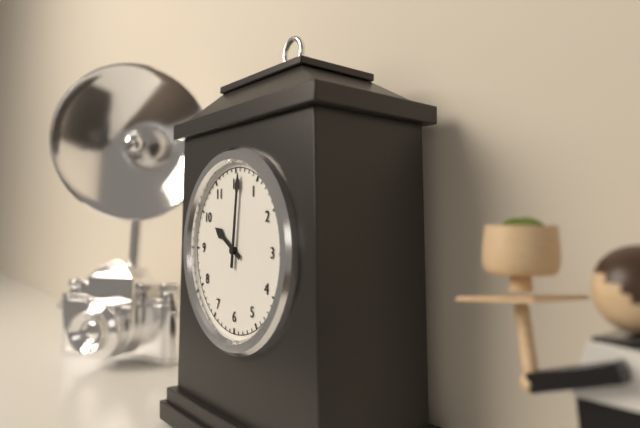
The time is 10:01
